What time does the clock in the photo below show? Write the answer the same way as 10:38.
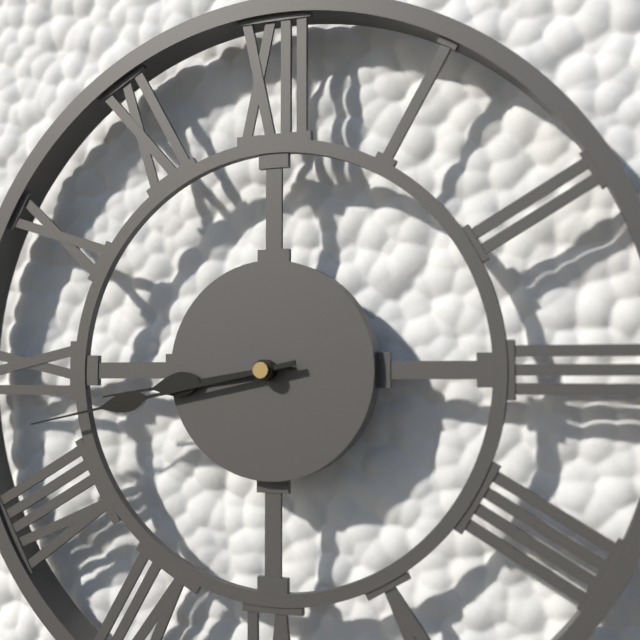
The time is 8:43
